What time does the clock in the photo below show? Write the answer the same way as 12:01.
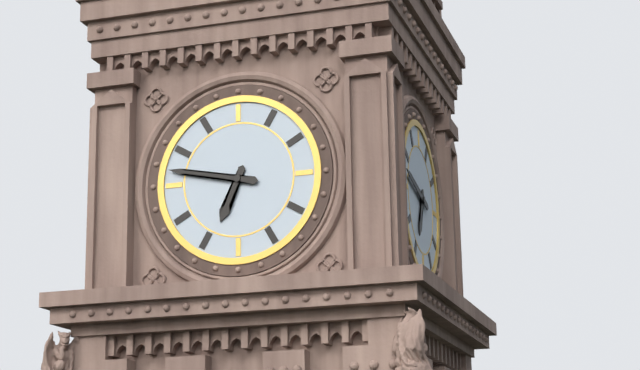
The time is 6:47
